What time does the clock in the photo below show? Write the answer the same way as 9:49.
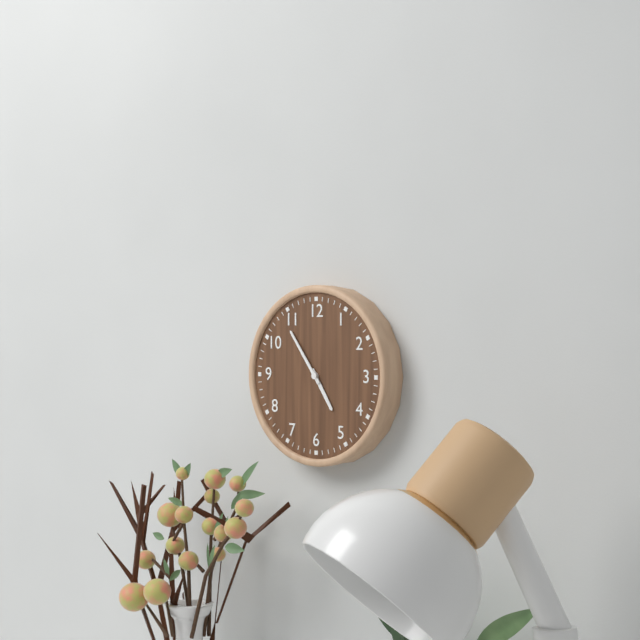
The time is 4:54
